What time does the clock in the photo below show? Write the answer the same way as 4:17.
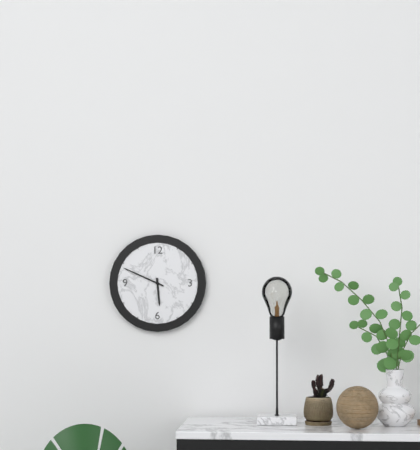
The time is 5:49
